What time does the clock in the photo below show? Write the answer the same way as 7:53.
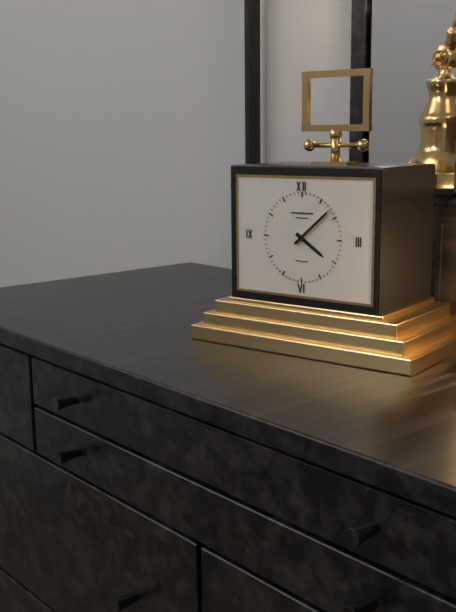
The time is 4:08
